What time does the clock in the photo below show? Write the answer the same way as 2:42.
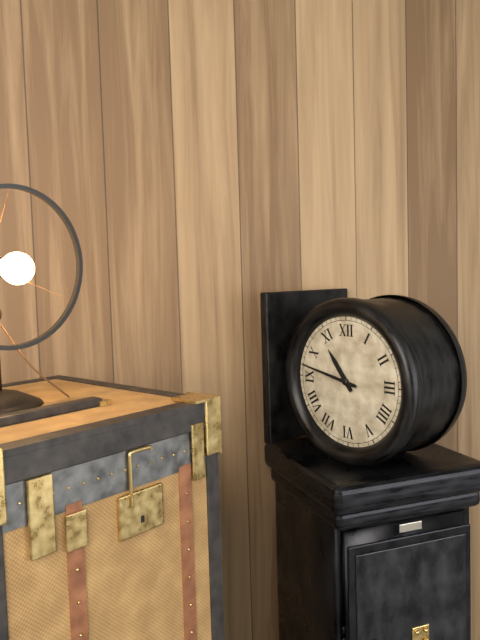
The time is 10:47
